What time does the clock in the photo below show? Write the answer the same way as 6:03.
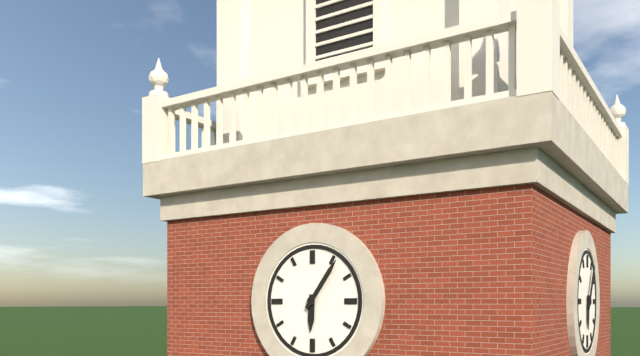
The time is 6:06
